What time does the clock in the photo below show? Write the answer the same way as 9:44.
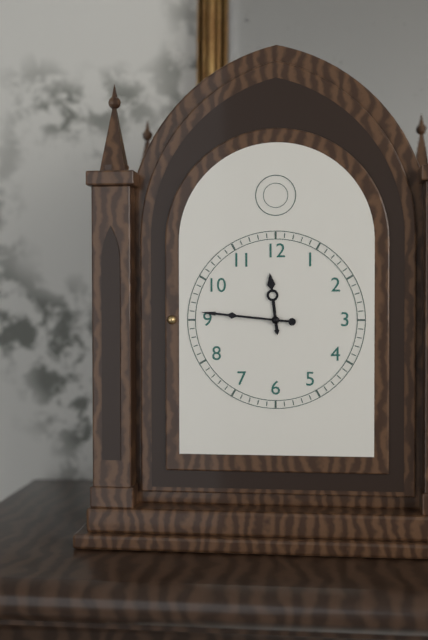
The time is 11:46
